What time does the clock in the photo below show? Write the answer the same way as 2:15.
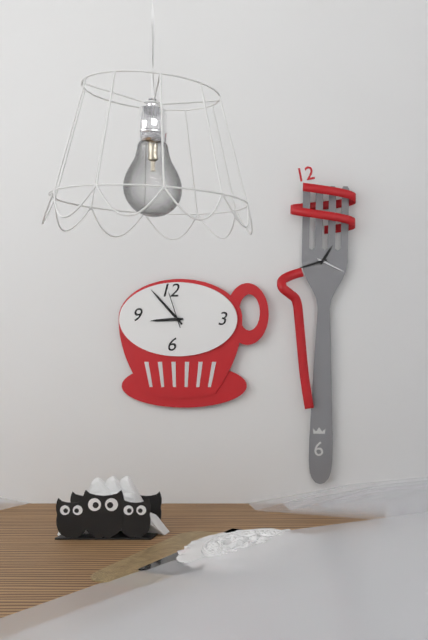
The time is 8:53
